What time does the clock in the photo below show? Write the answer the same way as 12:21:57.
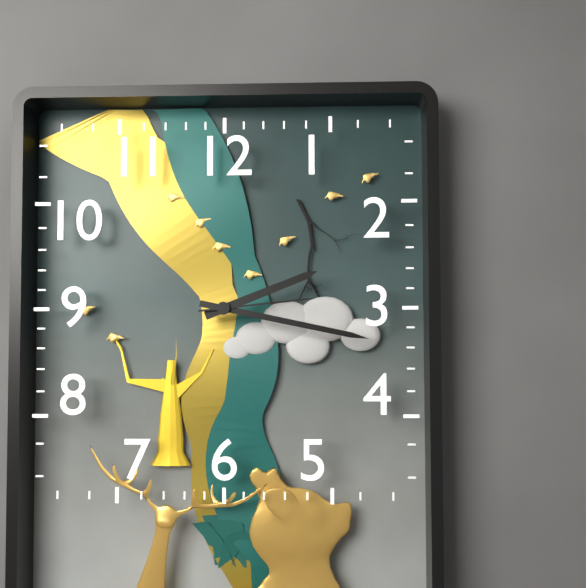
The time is 2:17:14
